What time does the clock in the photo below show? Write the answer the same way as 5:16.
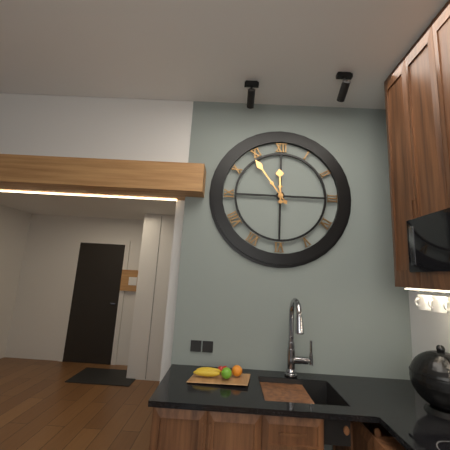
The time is 11:54
